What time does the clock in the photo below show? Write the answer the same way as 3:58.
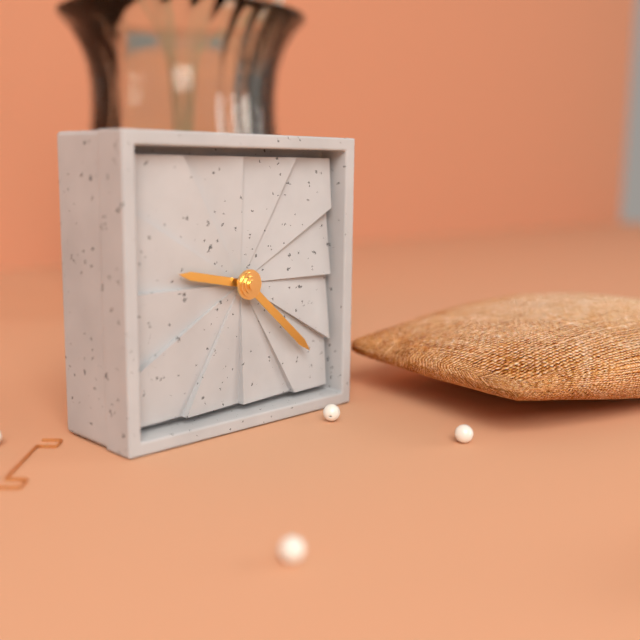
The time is 9:22
